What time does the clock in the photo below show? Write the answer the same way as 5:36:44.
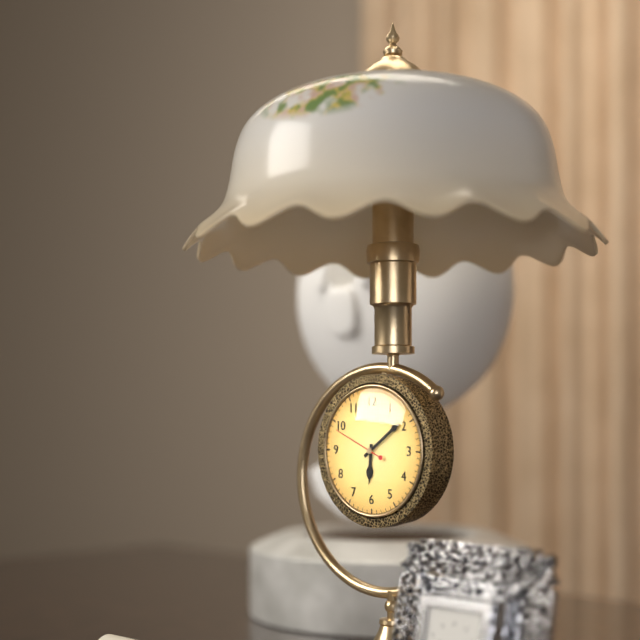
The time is 6:09:49
